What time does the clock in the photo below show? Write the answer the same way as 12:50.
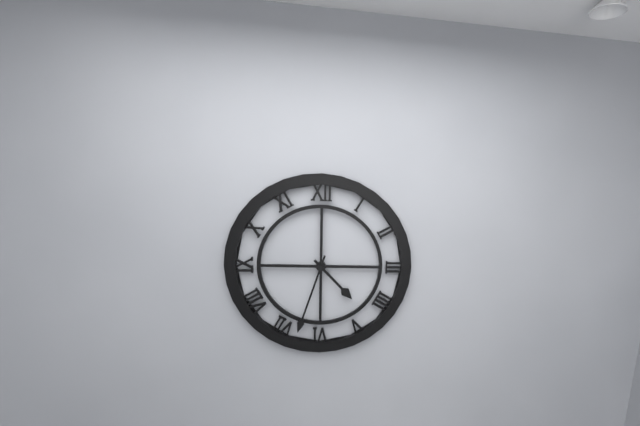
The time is 4:33
